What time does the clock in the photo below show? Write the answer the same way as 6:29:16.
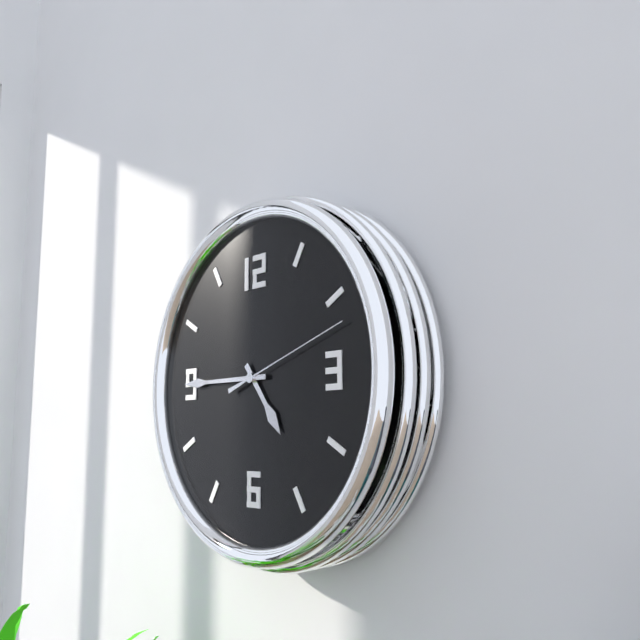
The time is 4:45:12
